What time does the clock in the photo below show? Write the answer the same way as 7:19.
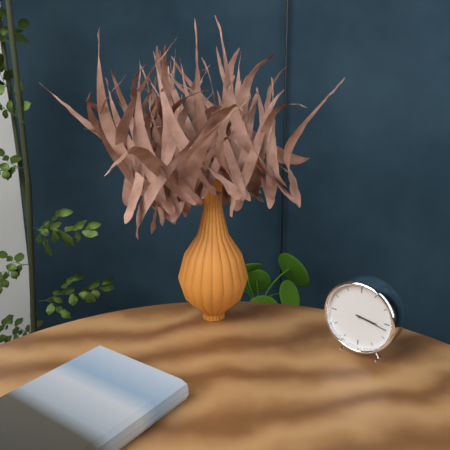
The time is 3:17
